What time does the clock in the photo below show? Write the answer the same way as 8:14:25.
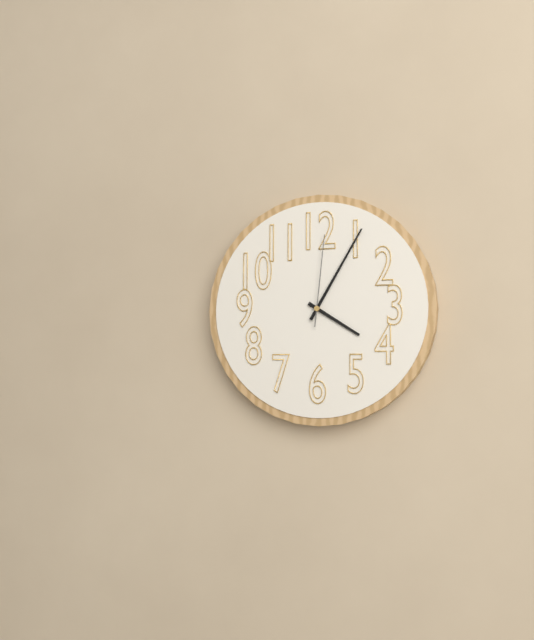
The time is 4:05:01
